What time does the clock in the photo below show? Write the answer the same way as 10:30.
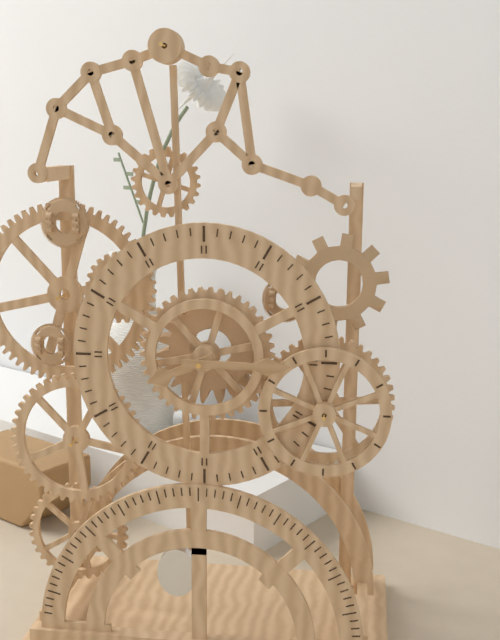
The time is 8:15
